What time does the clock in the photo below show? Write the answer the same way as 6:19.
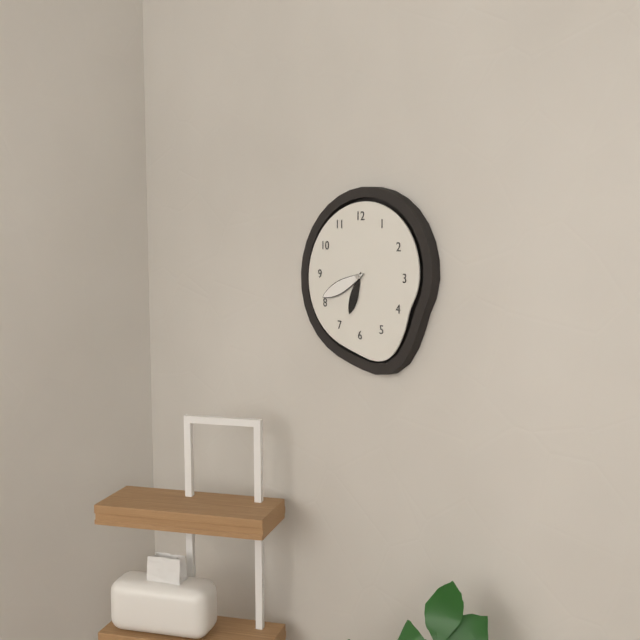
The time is 6:41
